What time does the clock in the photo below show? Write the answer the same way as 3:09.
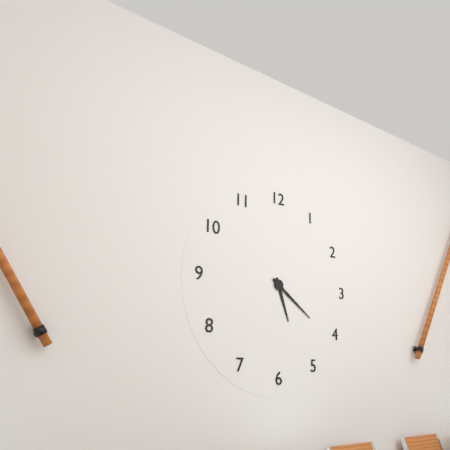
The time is 5:21
